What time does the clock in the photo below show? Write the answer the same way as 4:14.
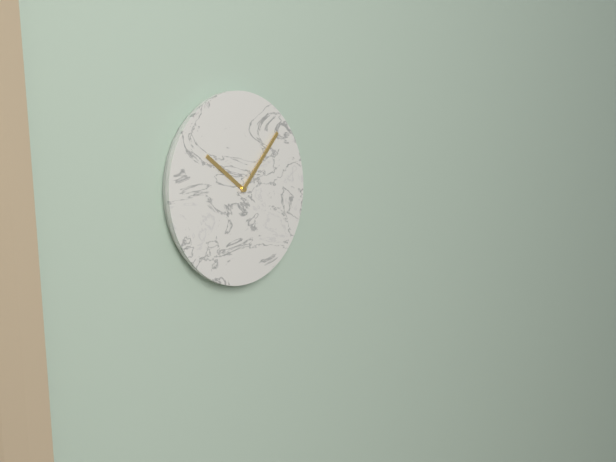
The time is 10:07
